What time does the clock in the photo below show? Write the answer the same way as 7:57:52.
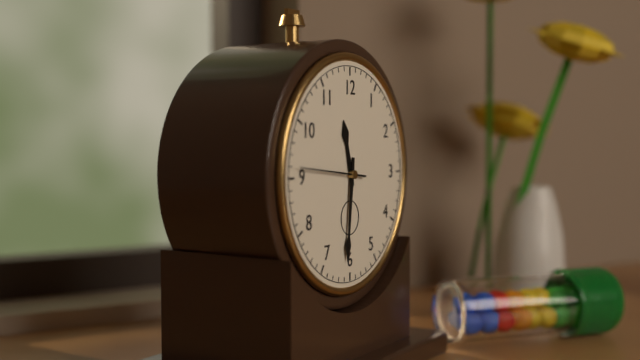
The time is 11:31:46
